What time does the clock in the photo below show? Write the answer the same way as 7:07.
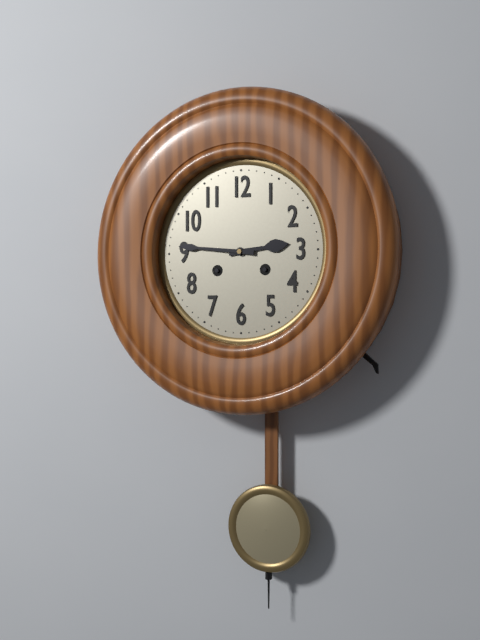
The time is 2:46
